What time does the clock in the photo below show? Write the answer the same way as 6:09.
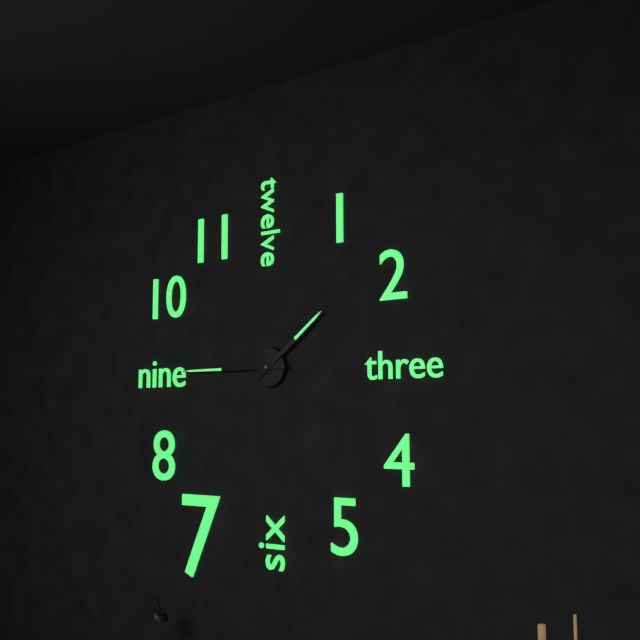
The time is 1:45
